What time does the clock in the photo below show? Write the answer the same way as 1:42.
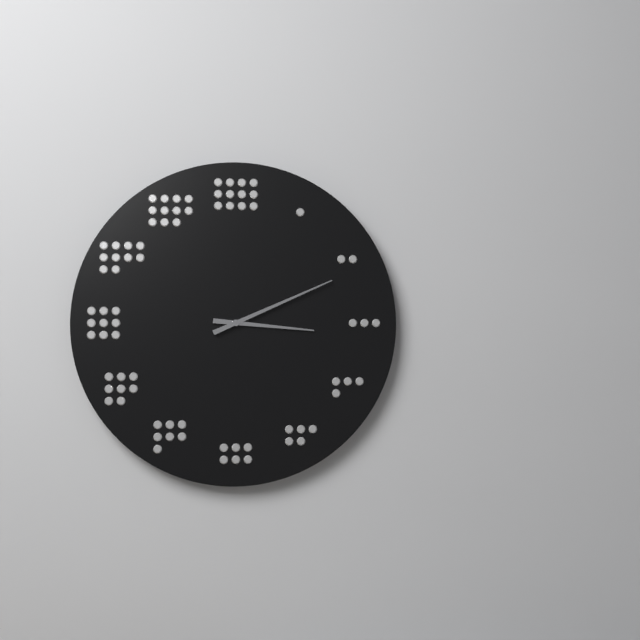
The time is 3:11
